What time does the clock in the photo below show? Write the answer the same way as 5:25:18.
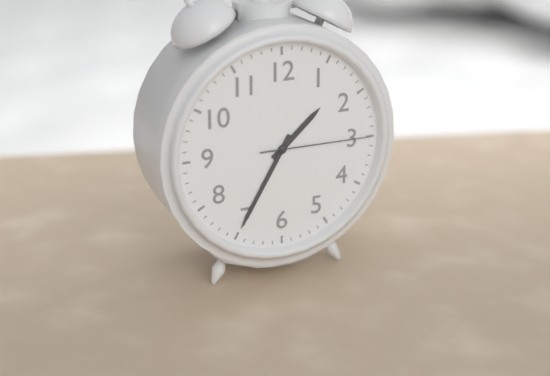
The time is 1:35:15
